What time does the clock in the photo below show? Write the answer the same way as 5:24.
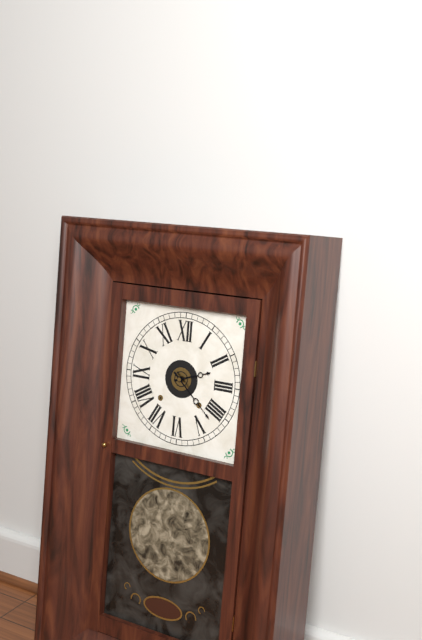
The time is 2:22
